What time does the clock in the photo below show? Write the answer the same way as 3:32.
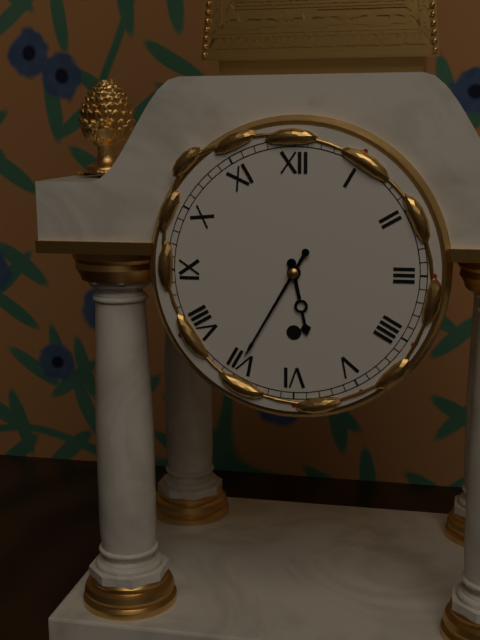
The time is 5:35
